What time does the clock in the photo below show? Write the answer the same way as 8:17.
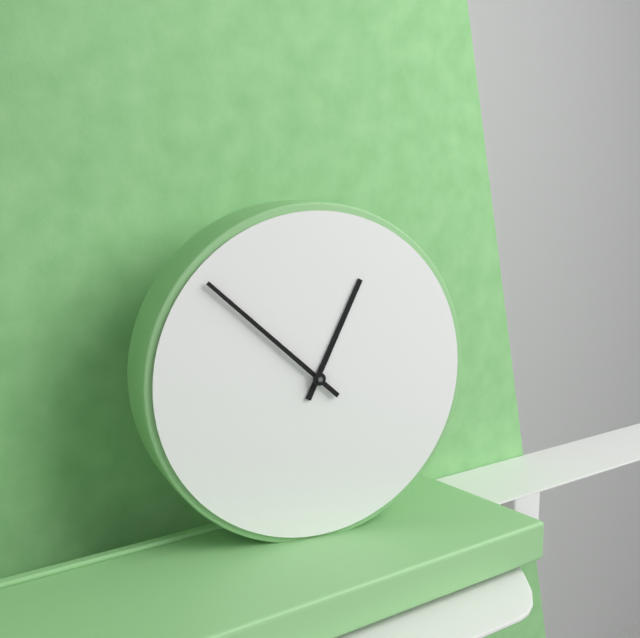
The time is 12:52
